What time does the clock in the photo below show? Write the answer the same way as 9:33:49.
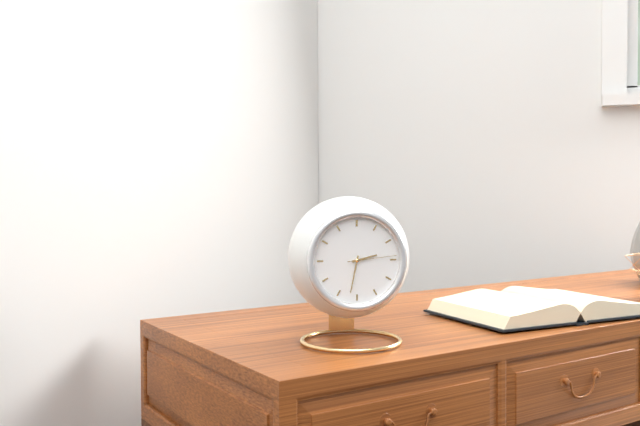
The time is 2:32:14
